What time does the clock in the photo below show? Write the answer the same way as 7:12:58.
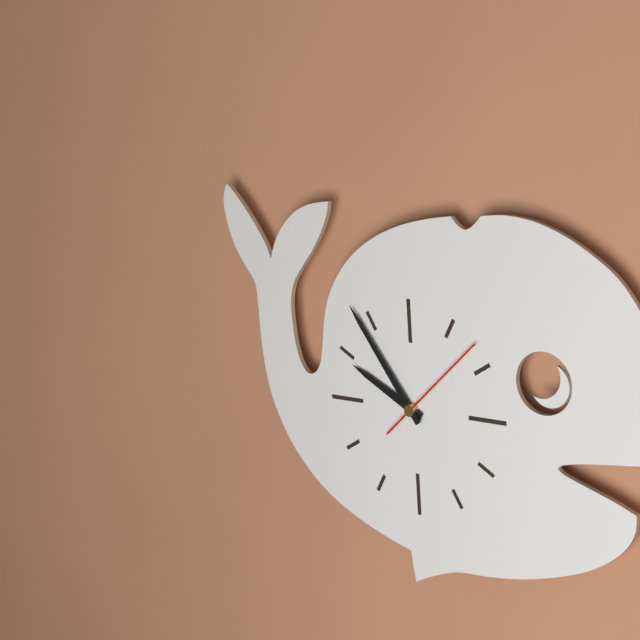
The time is 9:54:08
